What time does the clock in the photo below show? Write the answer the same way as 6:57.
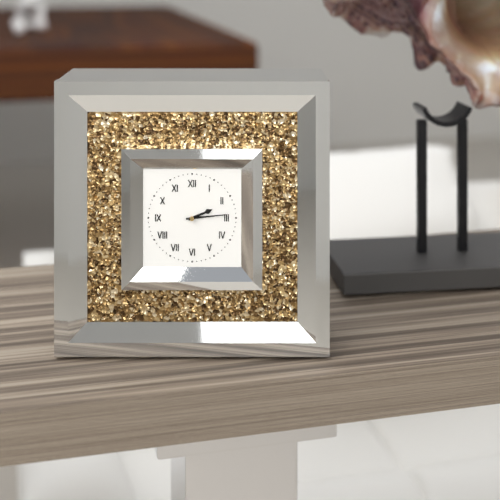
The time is 2:14
